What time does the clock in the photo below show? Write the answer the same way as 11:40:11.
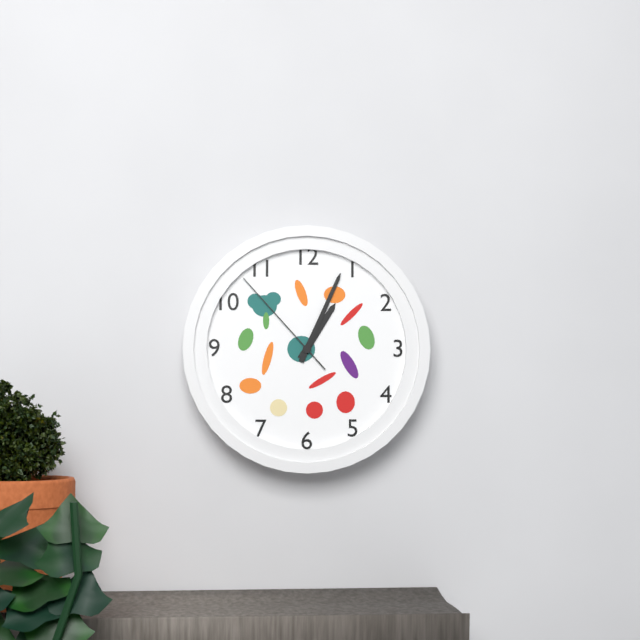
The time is 1:04:53
